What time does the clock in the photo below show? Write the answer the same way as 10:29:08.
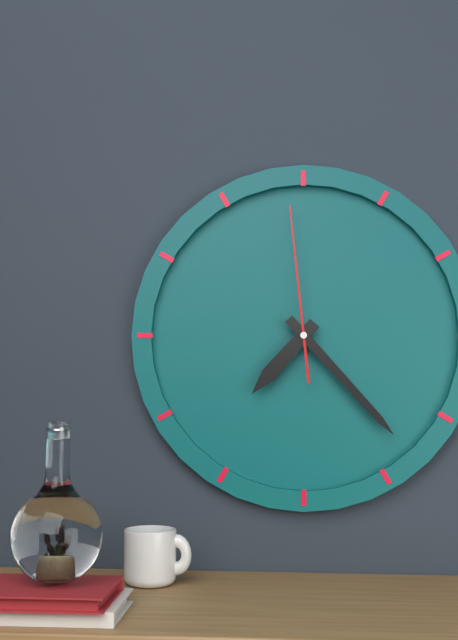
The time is 7:23:59
